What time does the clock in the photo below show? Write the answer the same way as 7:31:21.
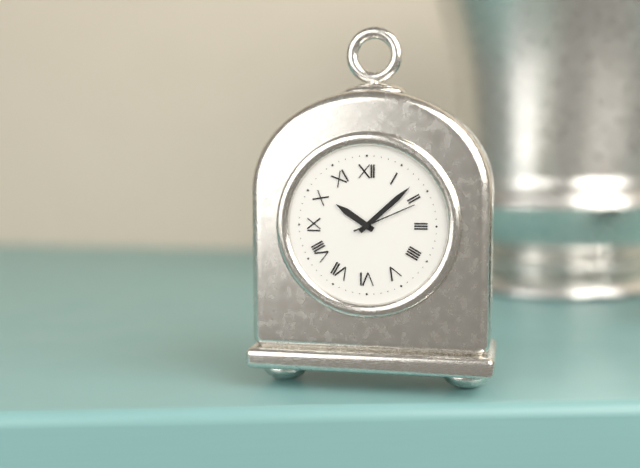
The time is 10:08:11
